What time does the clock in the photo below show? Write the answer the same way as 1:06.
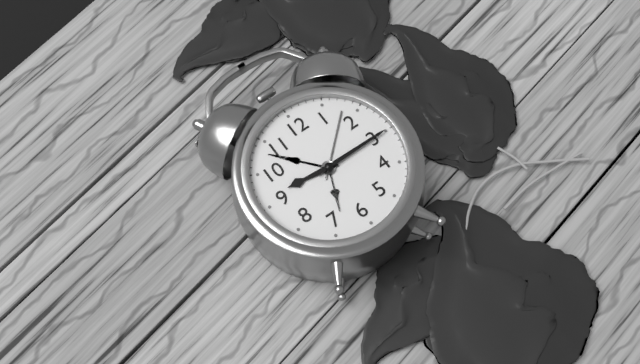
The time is 9:15
